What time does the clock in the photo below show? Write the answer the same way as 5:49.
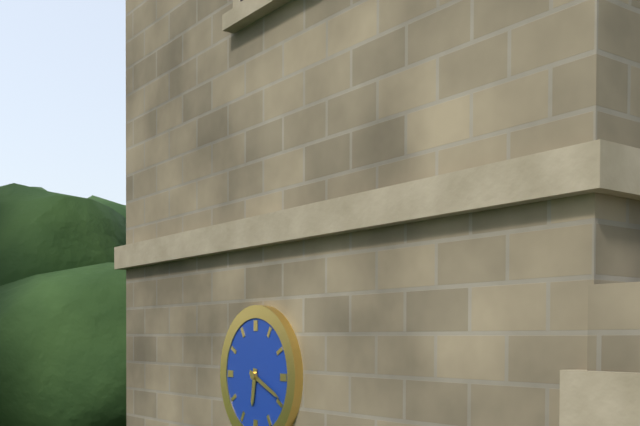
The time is 6:19
